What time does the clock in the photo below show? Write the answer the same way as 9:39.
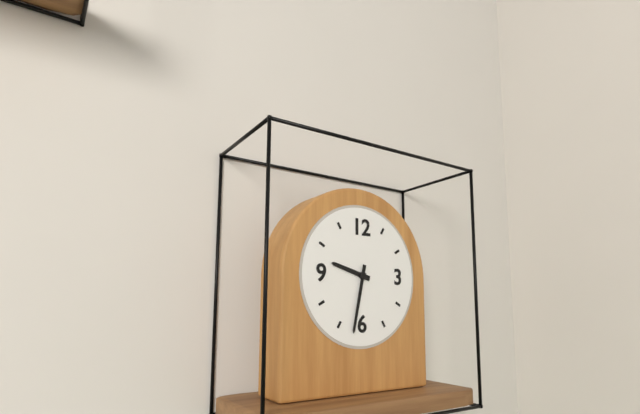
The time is 9:32
